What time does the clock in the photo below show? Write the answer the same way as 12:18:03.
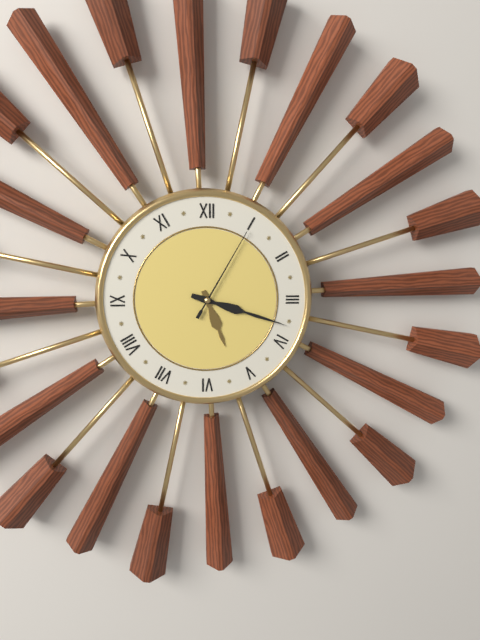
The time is 5:18:05
